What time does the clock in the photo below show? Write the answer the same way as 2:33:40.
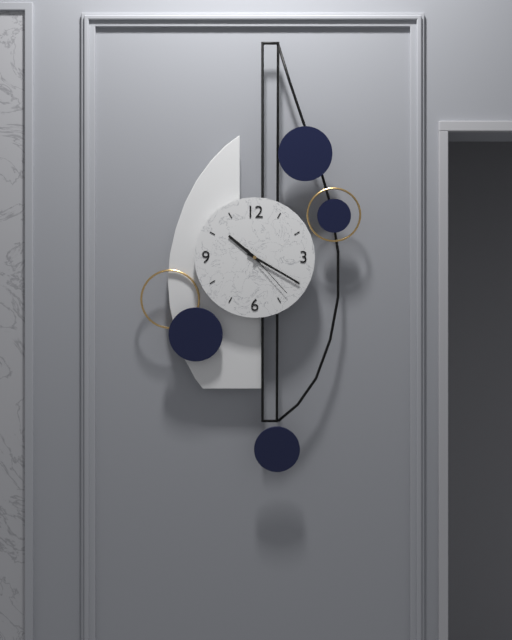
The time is 10:20:23
